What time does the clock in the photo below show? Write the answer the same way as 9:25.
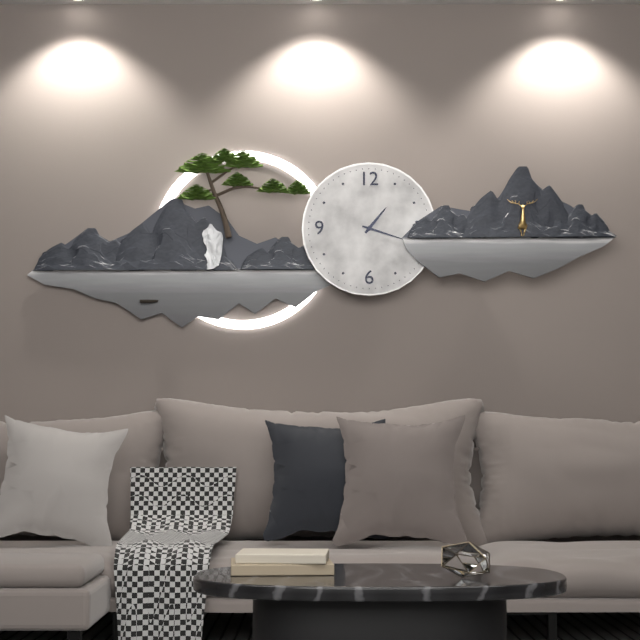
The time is 1:18
